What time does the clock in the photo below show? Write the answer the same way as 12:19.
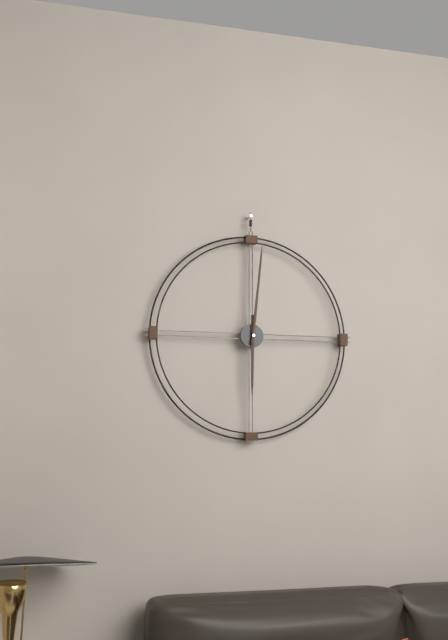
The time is 6:01
